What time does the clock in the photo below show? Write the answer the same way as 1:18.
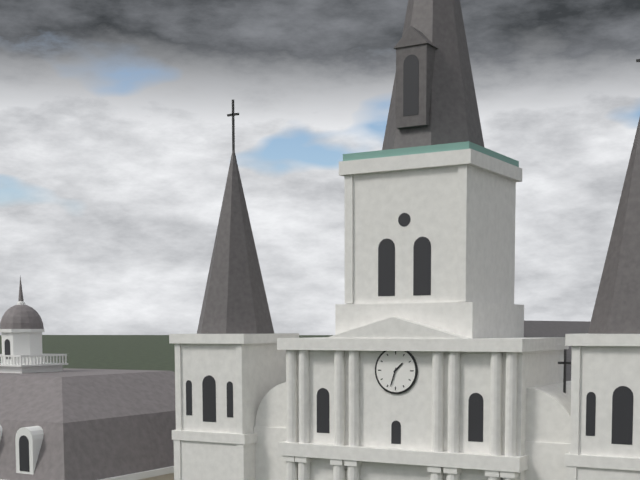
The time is 1:33
